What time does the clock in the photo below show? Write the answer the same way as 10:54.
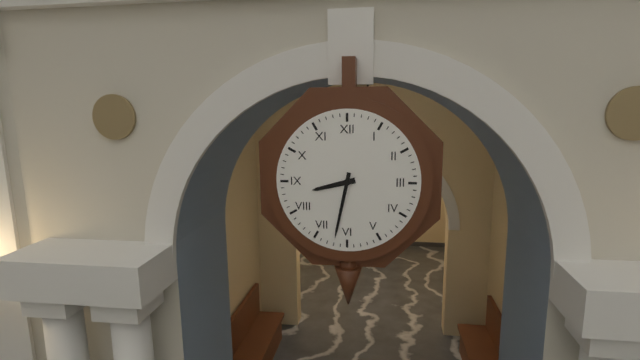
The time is 8:32
